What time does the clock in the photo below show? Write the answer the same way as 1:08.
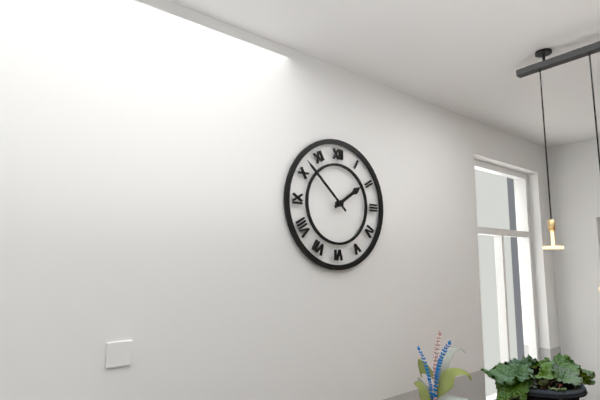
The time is 1:52
